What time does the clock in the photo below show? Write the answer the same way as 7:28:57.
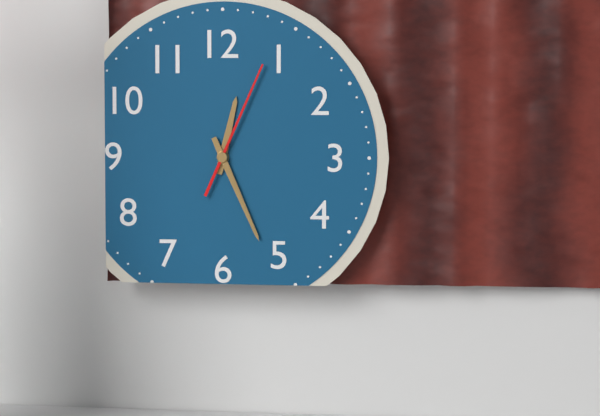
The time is 12:26:04
